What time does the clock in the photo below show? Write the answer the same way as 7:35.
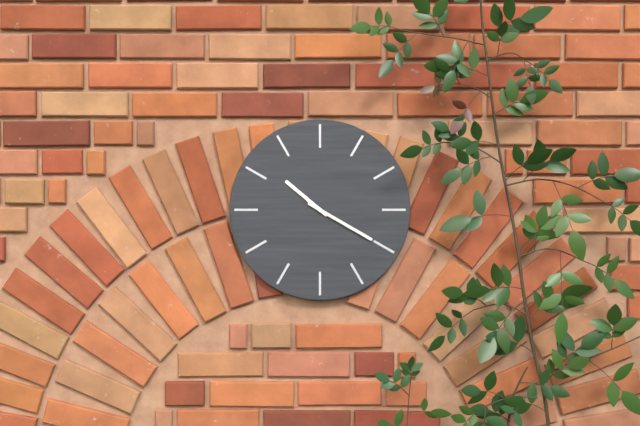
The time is 10:20
